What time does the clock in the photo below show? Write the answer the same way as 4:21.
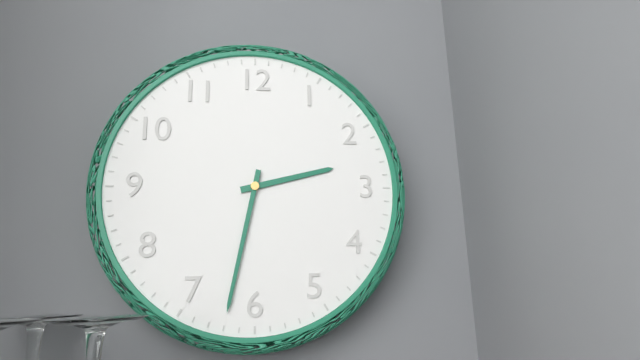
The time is 2:32
